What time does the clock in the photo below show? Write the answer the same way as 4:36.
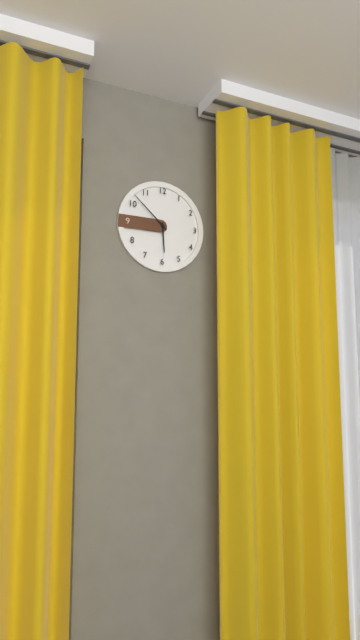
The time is 5:52
